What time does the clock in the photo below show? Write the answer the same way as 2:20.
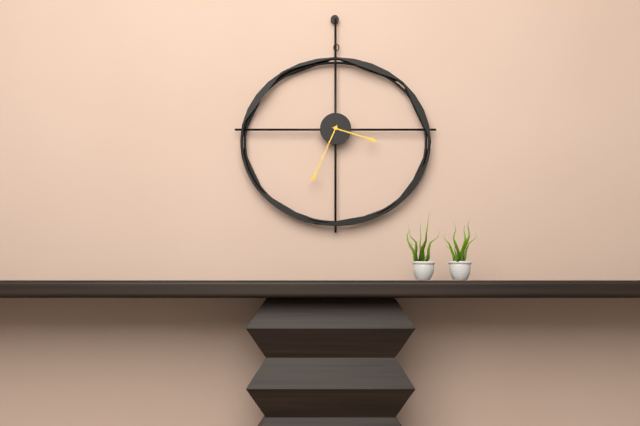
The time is 3:34
